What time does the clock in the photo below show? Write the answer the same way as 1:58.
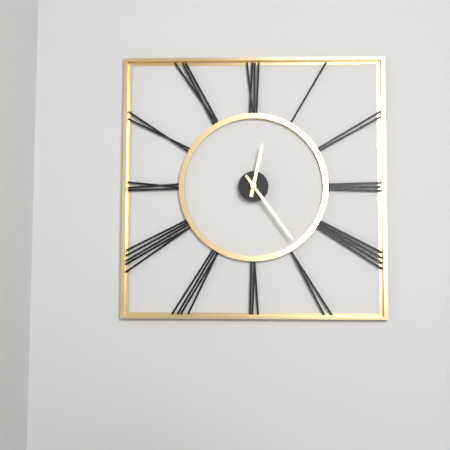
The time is 12:24
